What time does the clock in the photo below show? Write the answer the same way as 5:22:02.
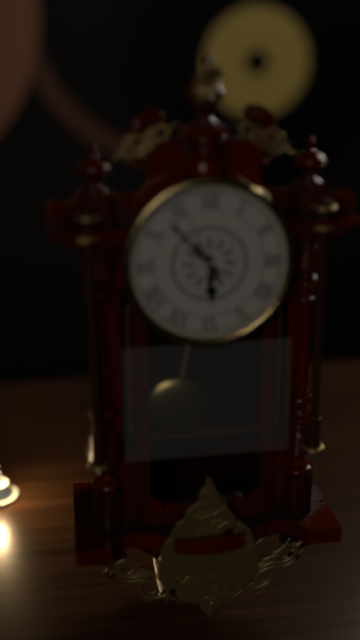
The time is 5:53:56
